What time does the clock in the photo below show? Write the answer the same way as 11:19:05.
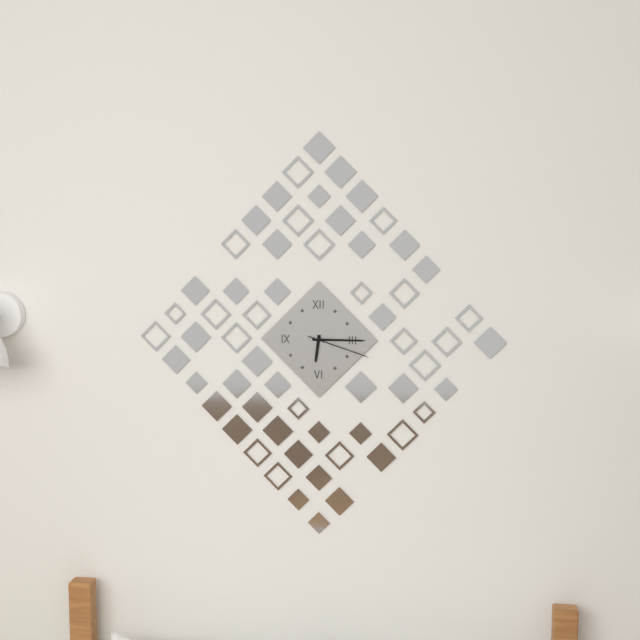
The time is 6:15:18
